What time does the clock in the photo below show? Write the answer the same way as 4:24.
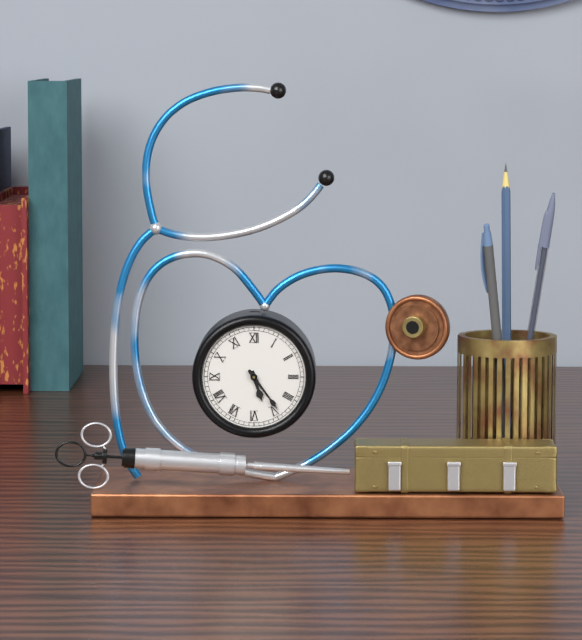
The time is 5:24
